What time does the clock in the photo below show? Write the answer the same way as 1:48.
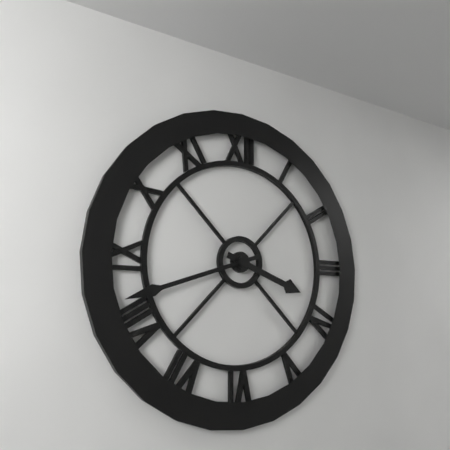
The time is 3:42
